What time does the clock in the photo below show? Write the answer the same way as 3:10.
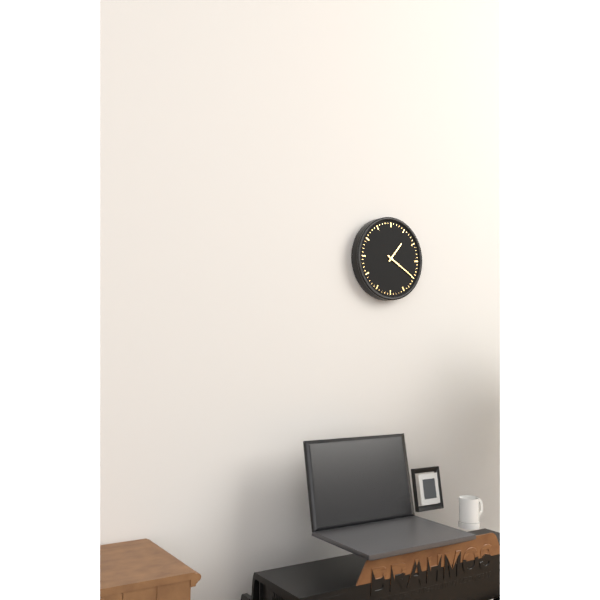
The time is 1:20
